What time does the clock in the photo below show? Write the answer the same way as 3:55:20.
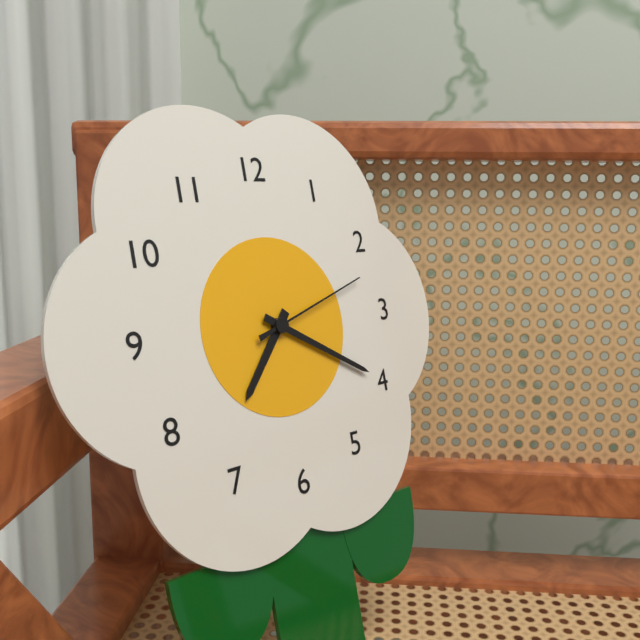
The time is 7:20:12
